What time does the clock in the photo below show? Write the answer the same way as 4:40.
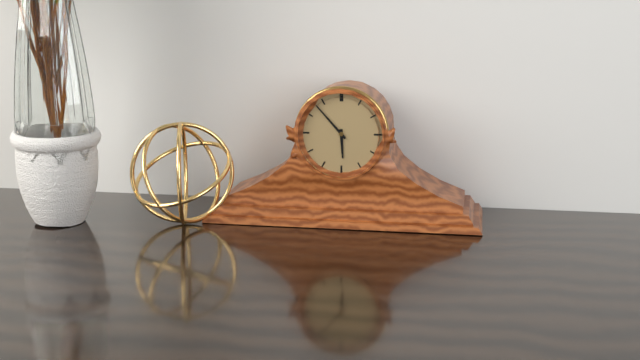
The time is 5:53
